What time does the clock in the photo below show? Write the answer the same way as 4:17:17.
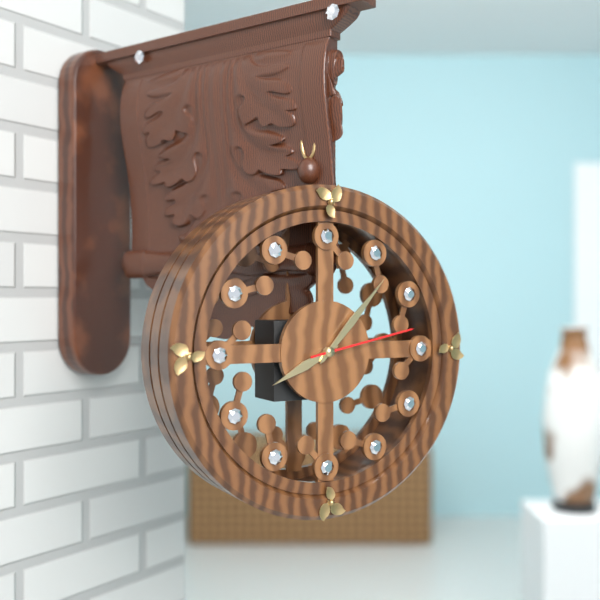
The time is 8:07:13
